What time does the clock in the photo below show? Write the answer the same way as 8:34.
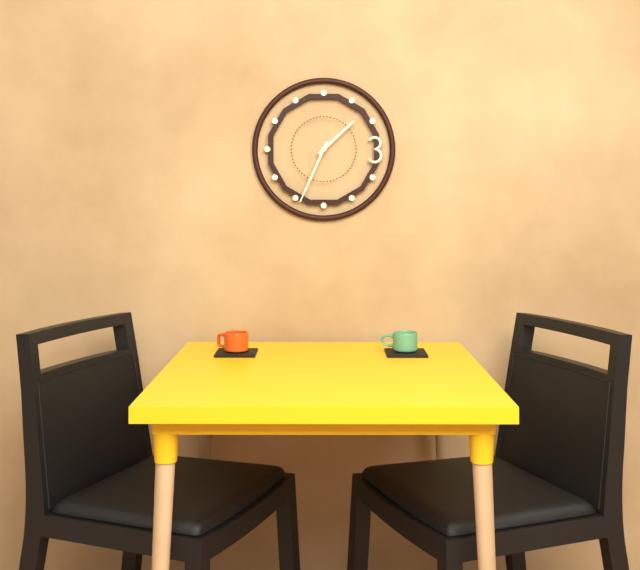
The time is 1:34
